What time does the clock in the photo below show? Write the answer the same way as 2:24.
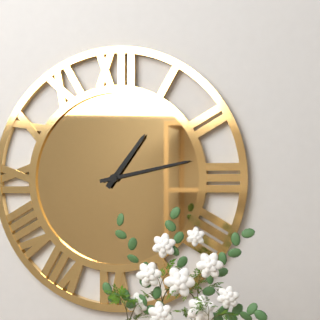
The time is 1:13
